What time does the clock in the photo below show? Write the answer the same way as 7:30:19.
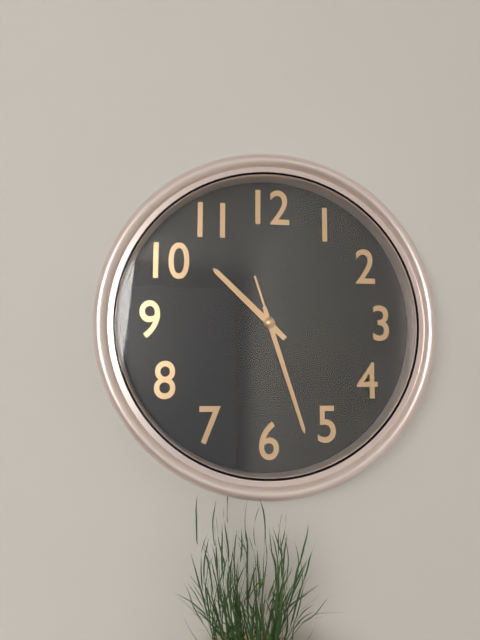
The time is 10:27:27
